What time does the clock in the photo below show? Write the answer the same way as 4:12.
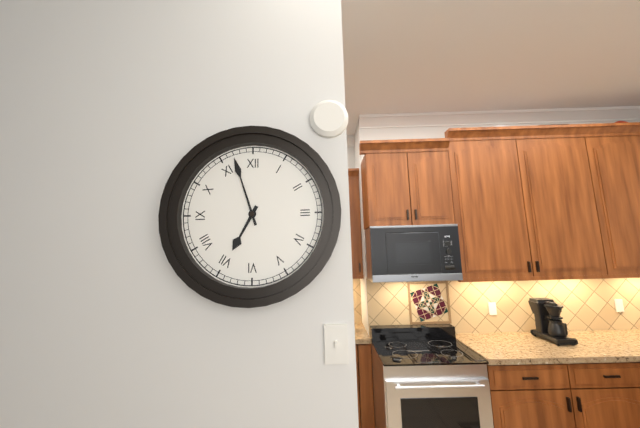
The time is 6:57
